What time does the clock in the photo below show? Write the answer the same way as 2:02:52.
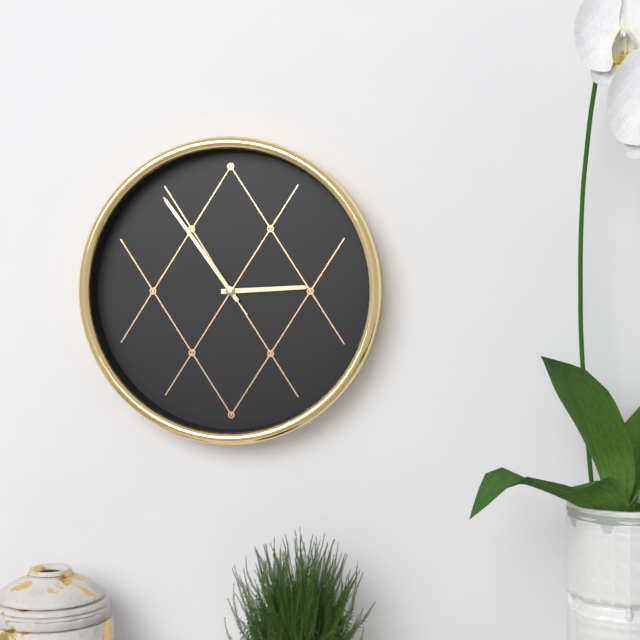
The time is 2:54:54
